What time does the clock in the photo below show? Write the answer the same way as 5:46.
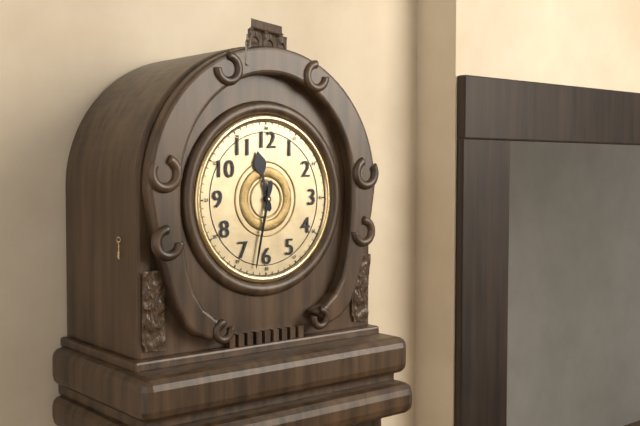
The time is 11:32
